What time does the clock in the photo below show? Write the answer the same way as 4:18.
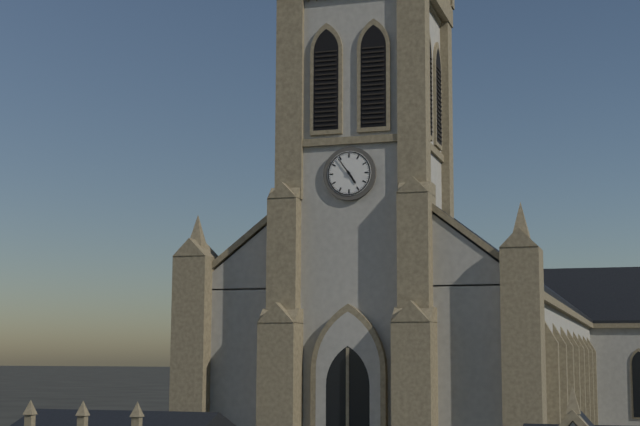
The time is 4:54
